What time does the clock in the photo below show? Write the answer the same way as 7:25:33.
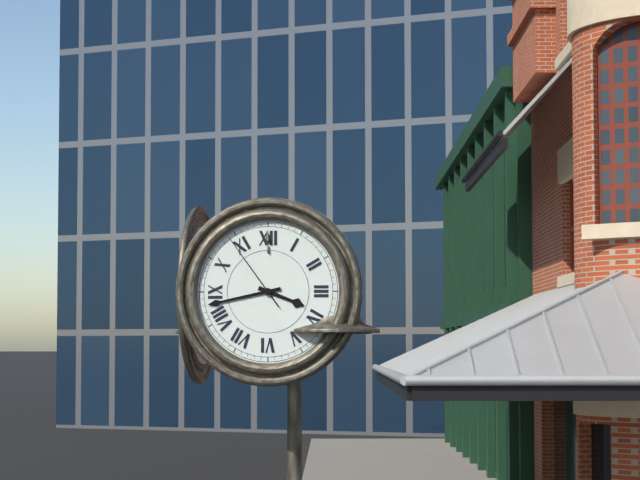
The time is 3:43:54
